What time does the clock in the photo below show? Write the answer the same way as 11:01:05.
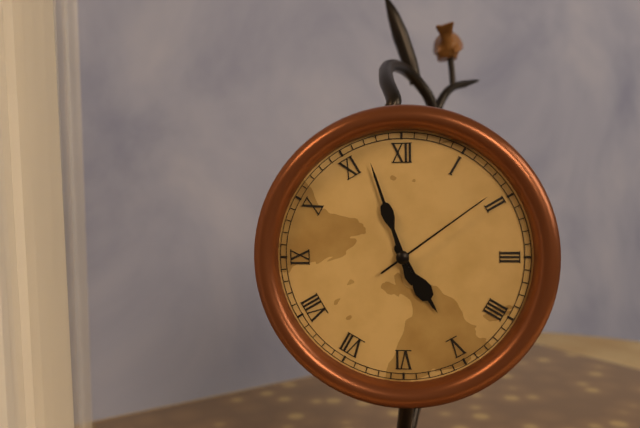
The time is 4:57:09
